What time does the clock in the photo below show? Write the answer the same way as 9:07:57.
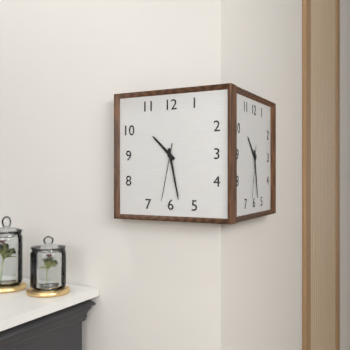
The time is 10:28:32
